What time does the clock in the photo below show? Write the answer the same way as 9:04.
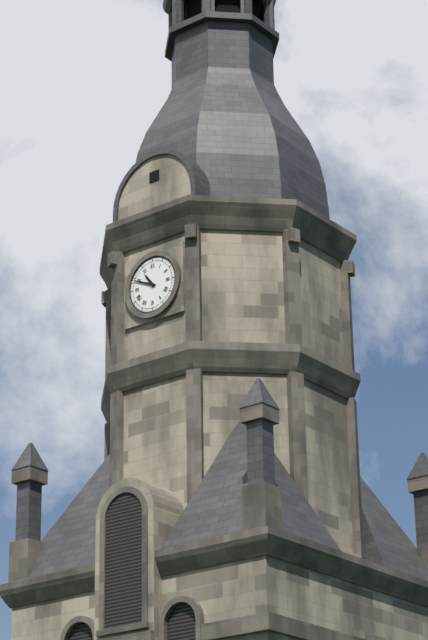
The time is 10:49
